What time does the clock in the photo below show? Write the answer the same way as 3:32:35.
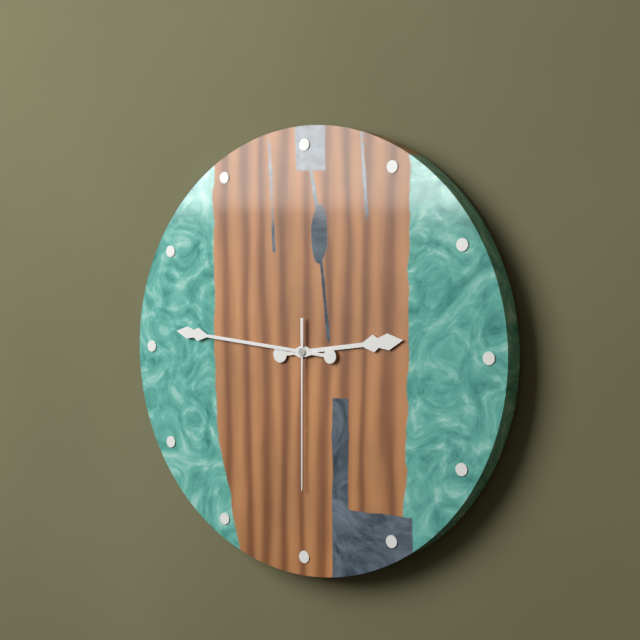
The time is 2:46:30
